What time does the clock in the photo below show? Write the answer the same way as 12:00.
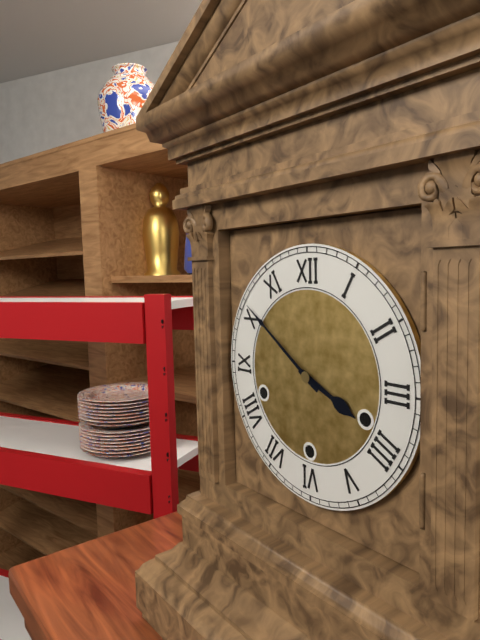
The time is 3:51
